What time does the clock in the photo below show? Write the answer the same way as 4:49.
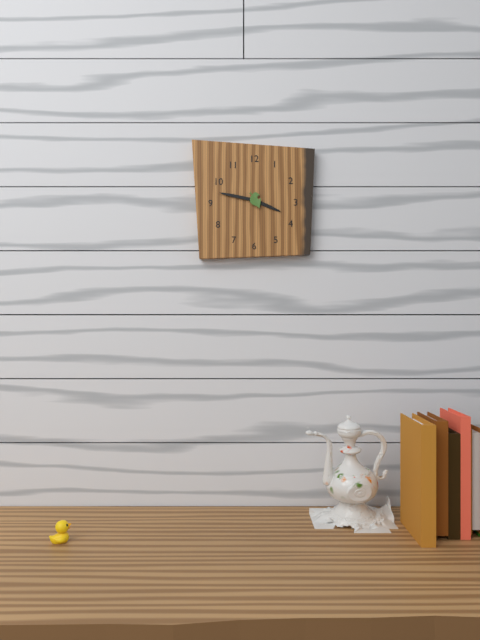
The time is 3:47
